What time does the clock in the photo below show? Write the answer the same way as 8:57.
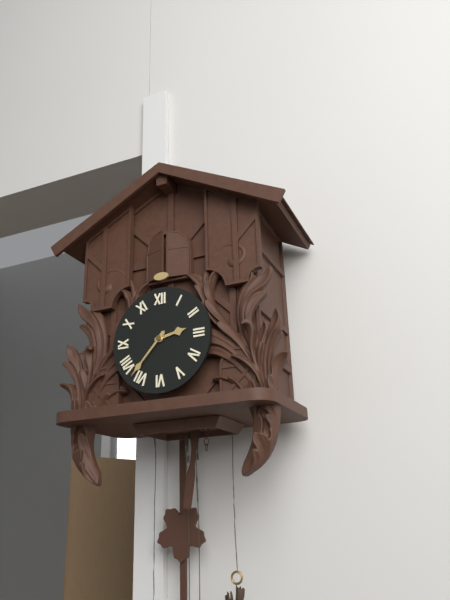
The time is 2:37
